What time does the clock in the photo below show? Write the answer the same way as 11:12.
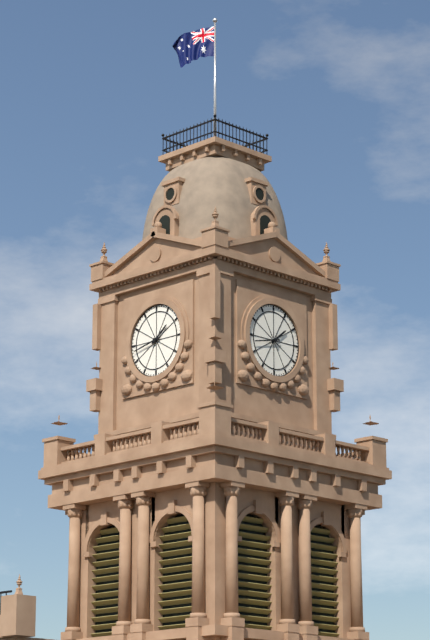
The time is 1:43
